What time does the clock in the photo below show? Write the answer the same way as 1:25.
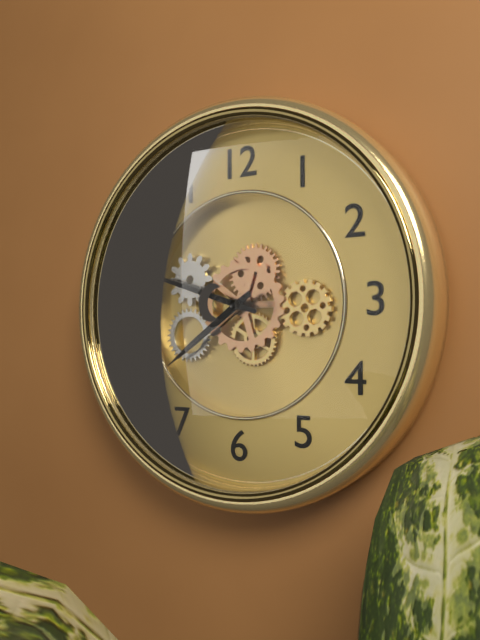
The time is 7:48
